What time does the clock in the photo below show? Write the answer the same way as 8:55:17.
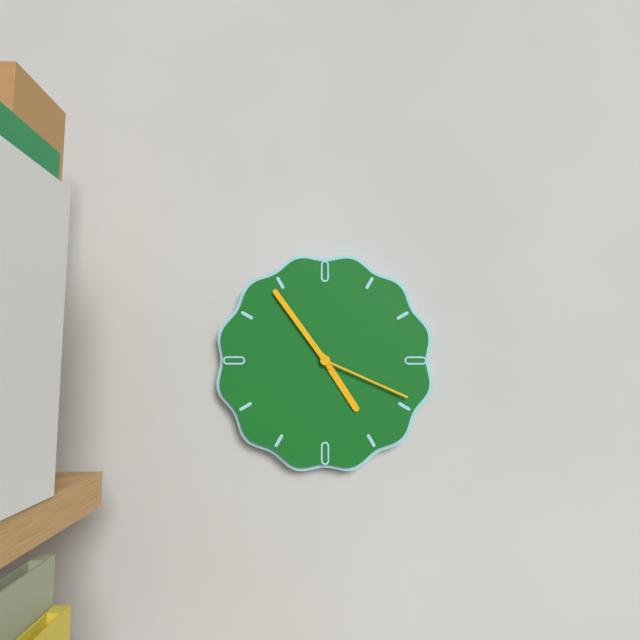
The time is 4:54:19
